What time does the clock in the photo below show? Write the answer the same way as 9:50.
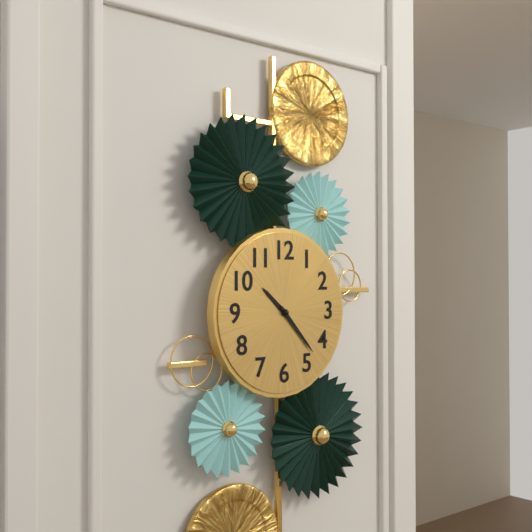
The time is 10:23
